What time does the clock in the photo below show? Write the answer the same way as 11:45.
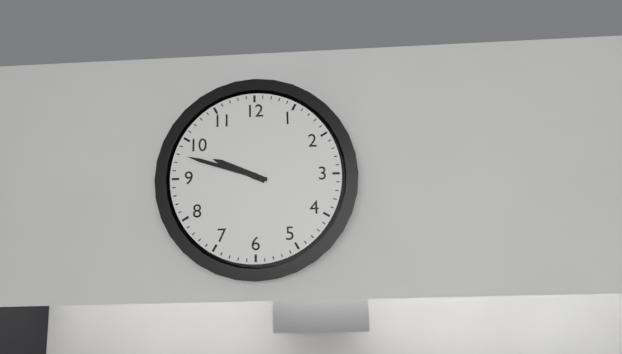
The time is 9:48
